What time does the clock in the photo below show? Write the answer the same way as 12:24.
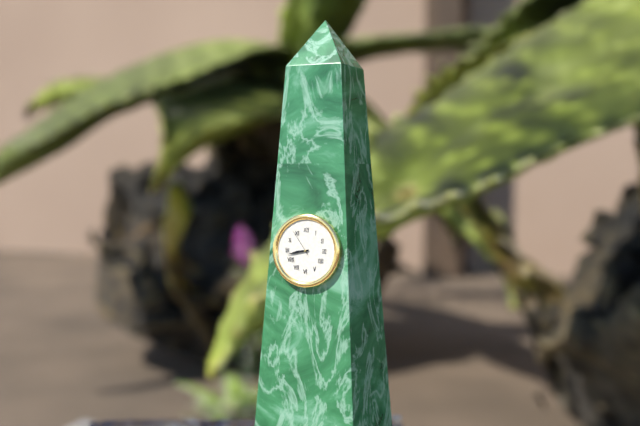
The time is 8:43
